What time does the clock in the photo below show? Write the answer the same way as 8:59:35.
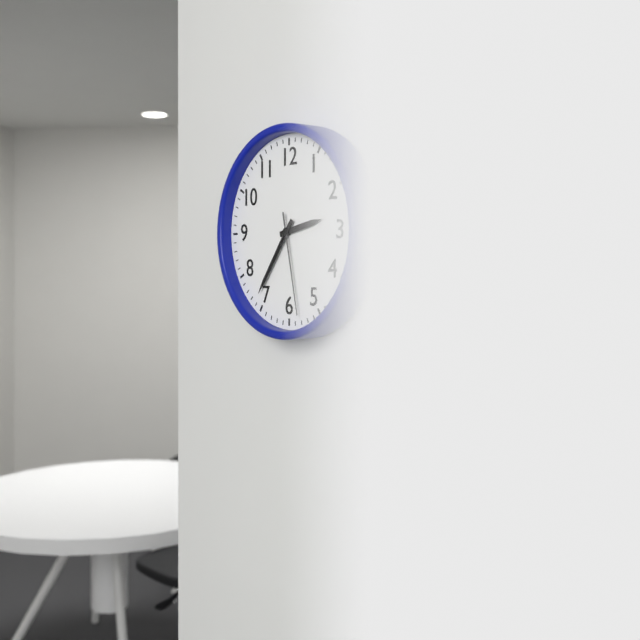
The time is 2:36:28
